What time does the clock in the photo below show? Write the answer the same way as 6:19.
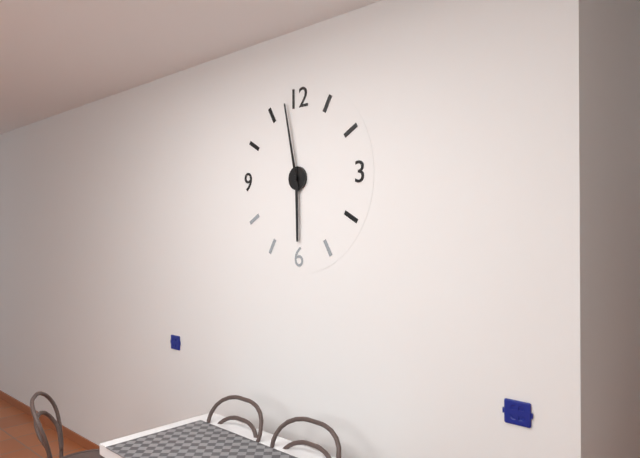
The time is 5:58
